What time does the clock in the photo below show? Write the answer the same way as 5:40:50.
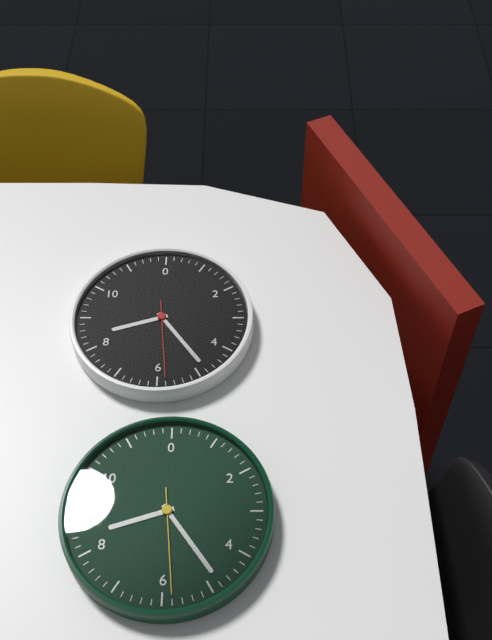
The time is 8:24:29
